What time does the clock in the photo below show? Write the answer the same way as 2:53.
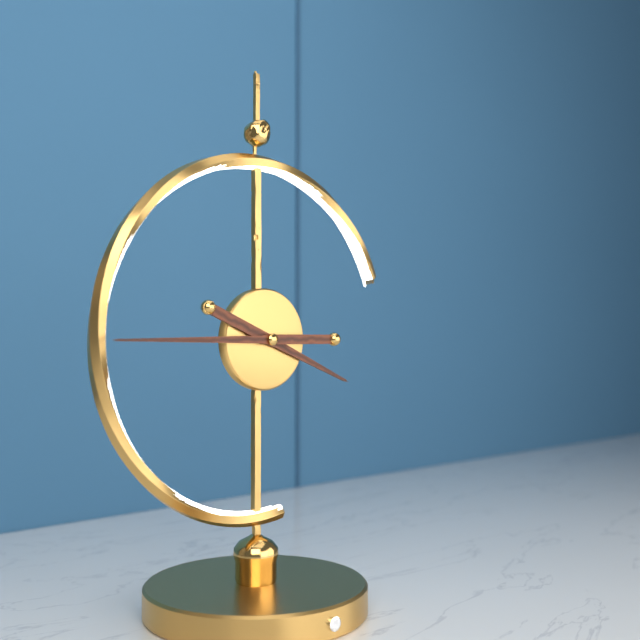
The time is 3:45
